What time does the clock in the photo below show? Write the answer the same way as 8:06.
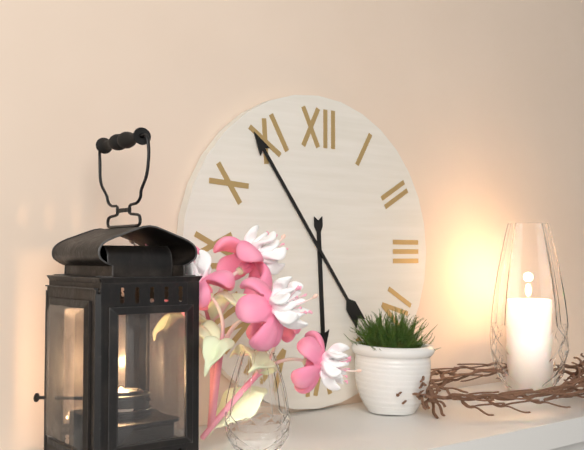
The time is 5:54
